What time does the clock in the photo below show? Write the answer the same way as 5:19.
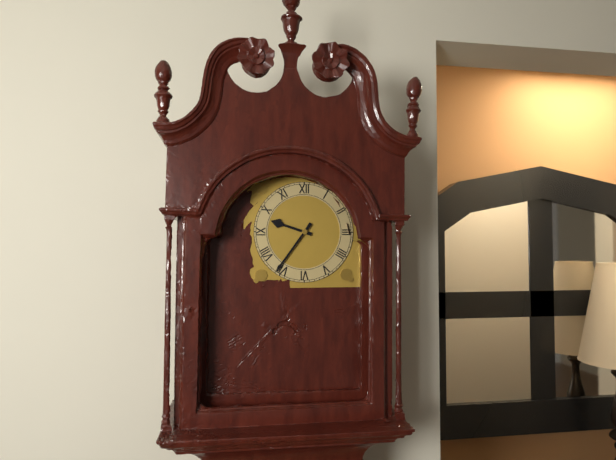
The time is 9:36
